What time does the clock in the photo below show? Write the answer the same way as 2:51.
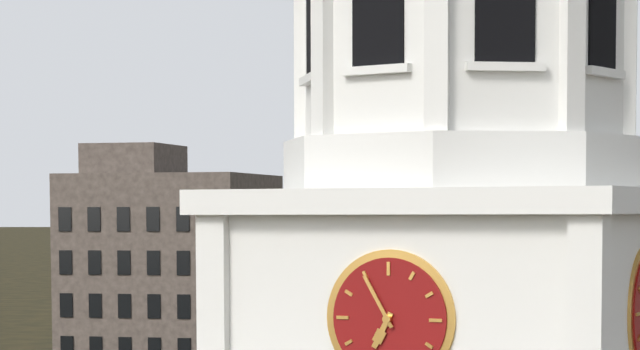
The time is 6:55
